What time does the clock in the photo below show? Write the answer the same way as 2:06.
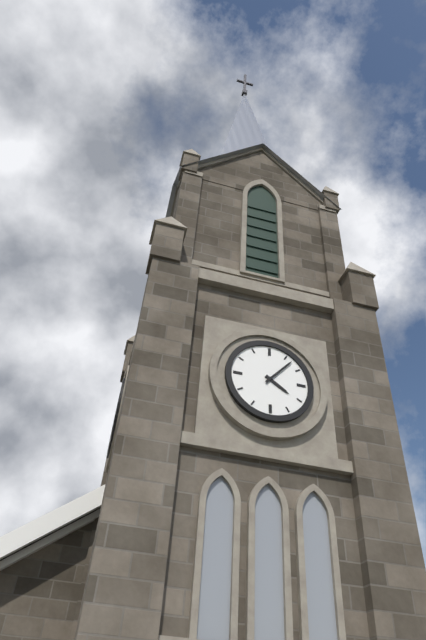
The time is 4:07
